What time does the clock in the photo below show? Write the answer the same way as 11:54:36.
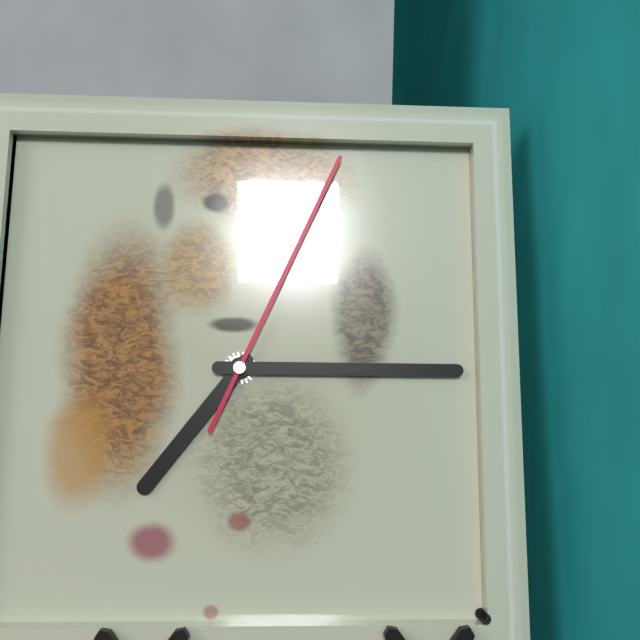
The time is 7:15:04
